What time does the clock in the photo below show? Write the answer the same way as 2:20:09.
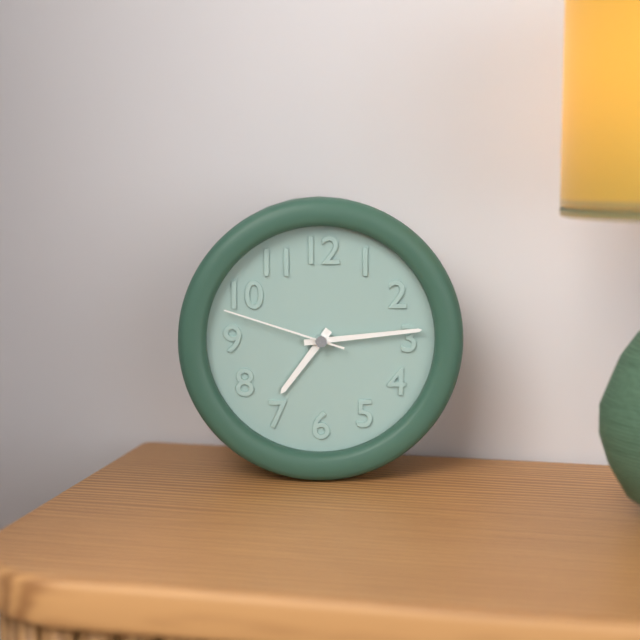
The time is 7:14:48
